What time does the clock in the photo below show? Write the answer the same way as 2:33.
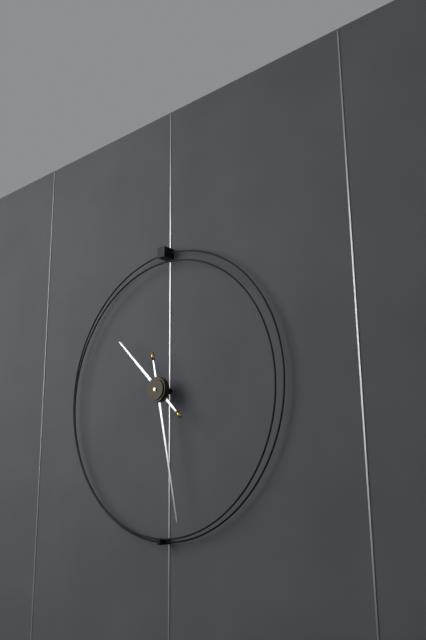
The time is 10:28
